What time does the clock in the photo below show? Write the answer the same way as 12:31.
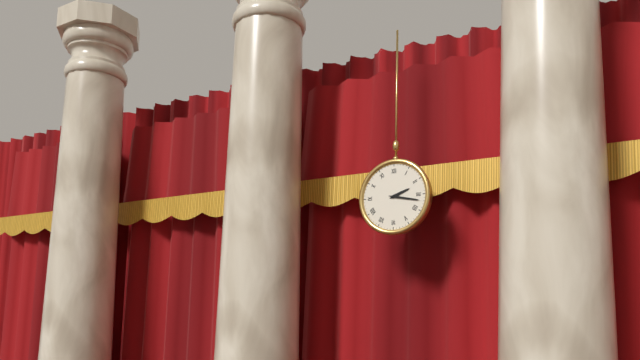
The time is 2:17
